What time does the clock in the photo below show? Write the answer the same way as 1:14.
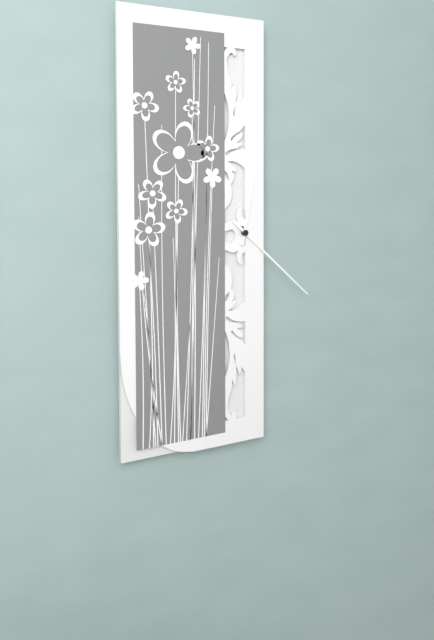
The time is 12:22
